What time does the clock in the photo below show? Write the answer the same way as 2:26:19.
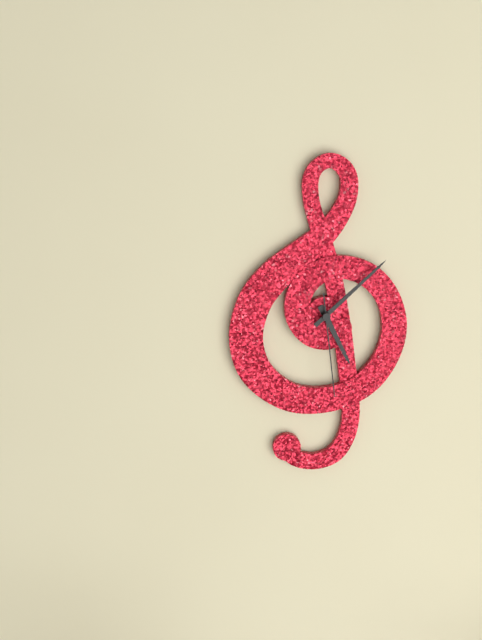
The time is 5:08:29
